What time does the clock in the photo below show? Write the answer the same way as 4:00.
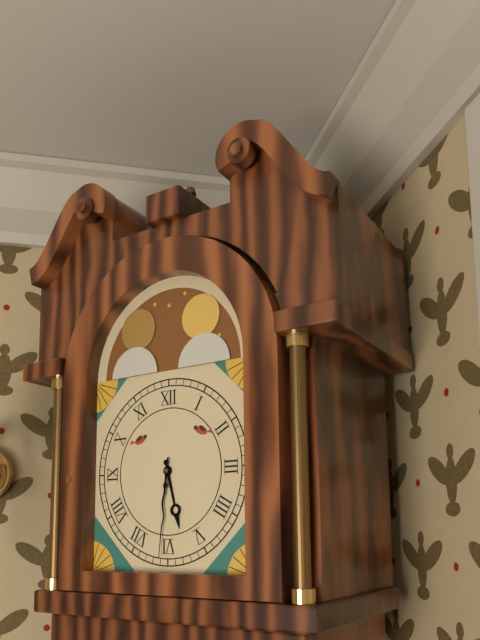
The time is 5:31
